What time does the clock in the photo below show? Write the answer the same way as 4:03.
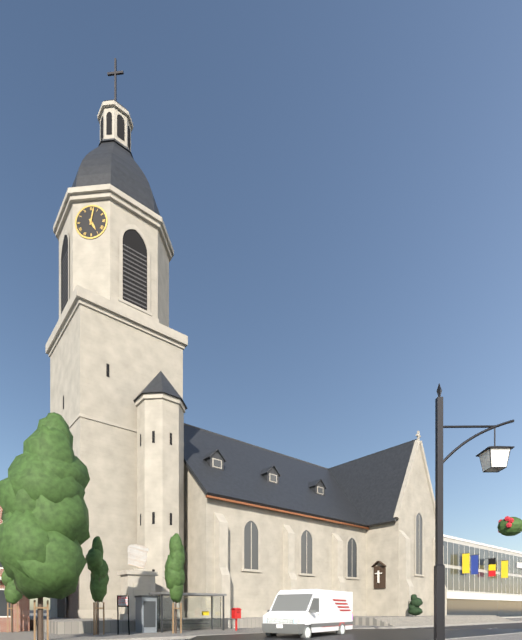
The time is 5:02
